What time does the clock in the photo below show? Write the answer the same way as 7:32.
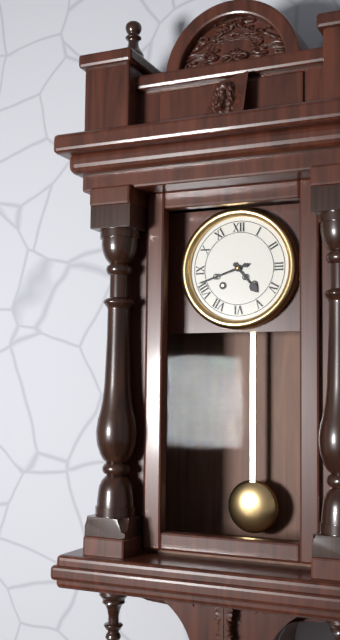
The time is 4:42
